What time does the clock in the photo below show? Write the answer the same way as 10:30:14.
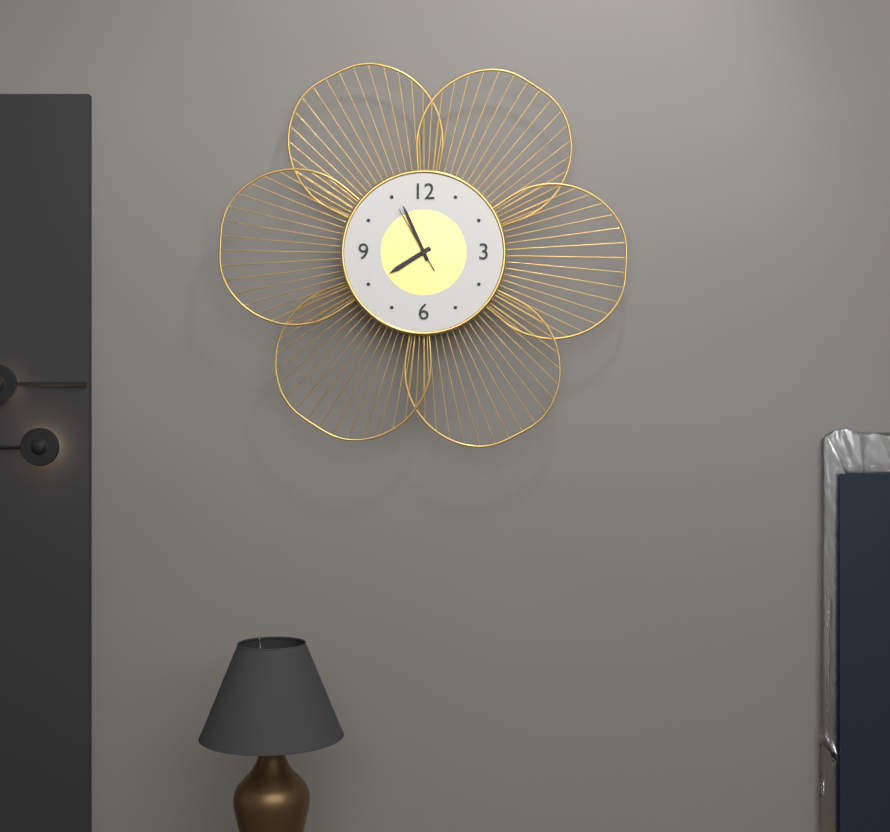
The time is 7:56:55
